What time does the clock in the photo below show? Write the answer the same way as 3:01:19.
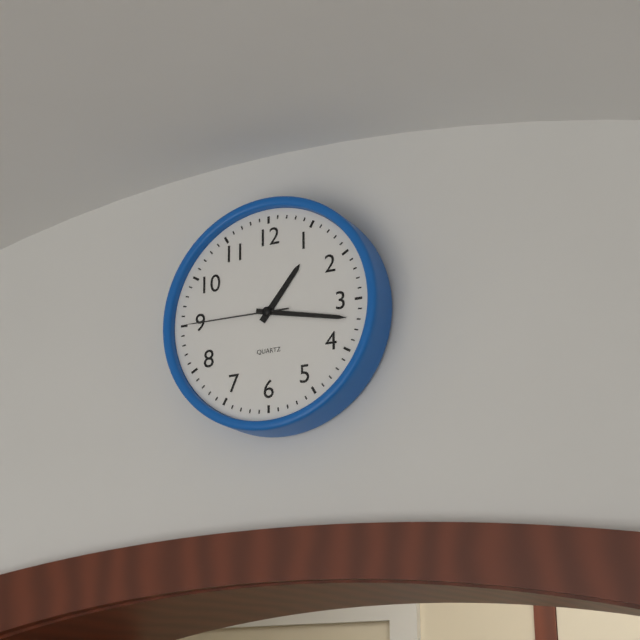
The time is 1:17:45
